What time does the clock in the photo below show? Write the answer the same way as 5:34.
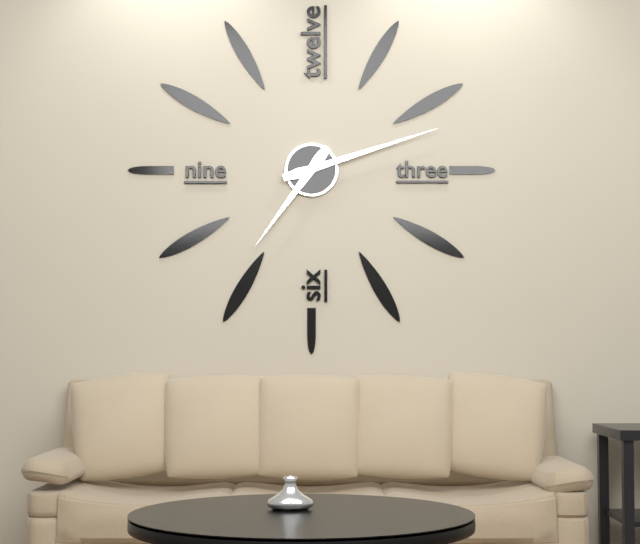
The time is 7:12
